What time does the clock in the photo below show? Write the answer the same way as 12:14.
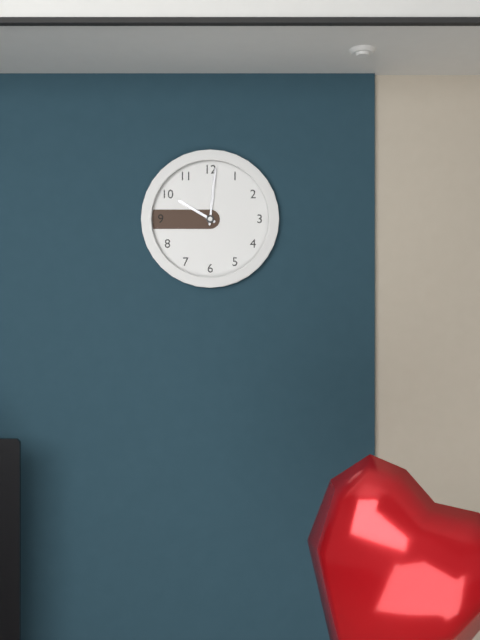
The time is 10:01
